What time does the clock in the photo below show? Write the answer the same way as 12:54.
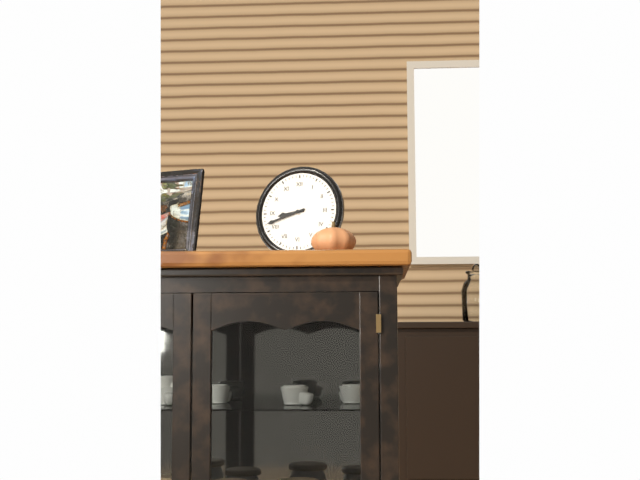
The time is 8:42
